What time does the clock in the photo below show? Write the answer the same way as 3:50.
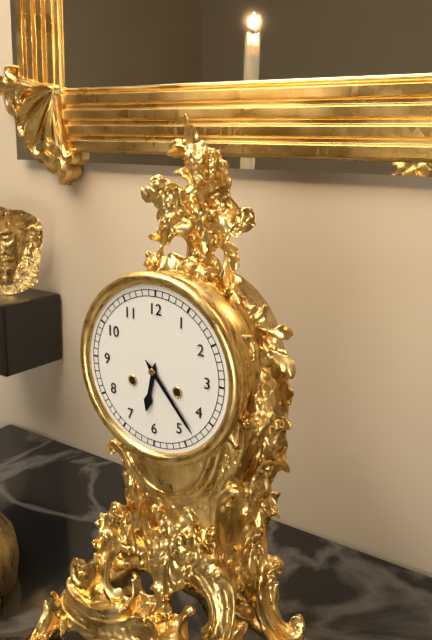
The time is 6:23
